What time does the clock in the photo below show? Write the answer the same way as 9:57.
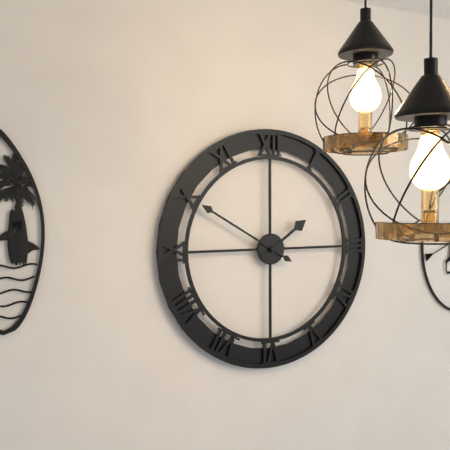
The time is 1:50
